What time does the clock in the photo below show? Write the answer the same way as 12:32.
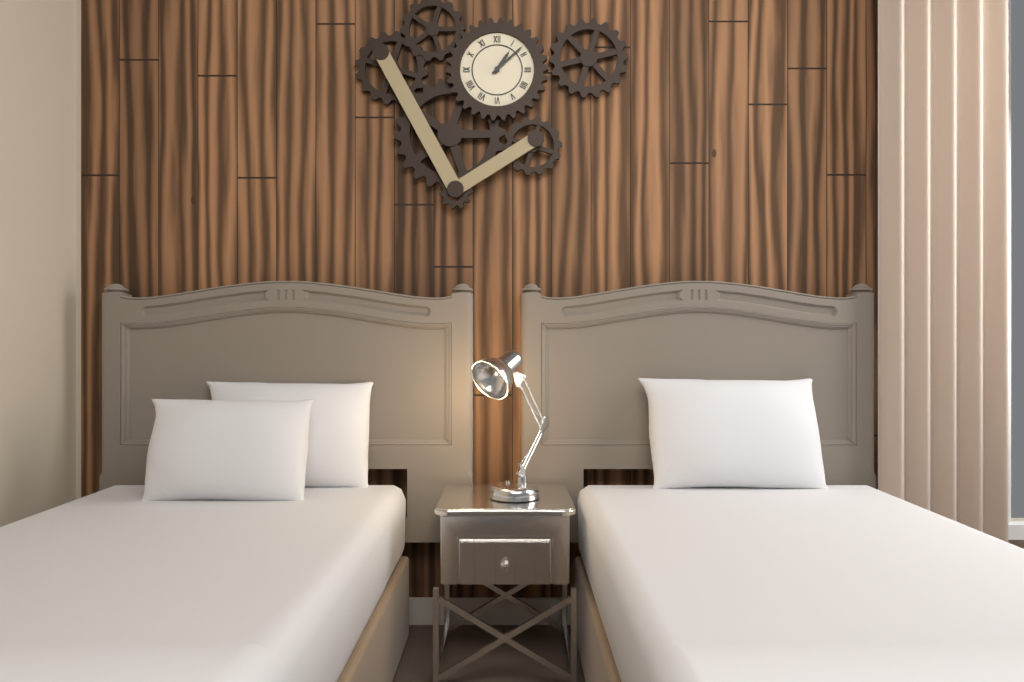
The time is 1:08
